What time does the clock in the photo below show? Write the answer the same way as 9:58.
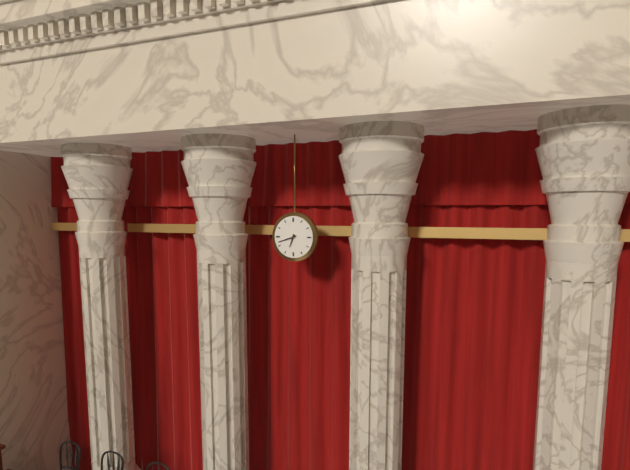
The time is 6:42
